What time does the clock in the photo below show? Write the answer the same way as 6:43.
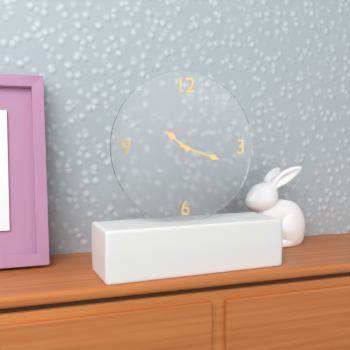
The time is 10:18
